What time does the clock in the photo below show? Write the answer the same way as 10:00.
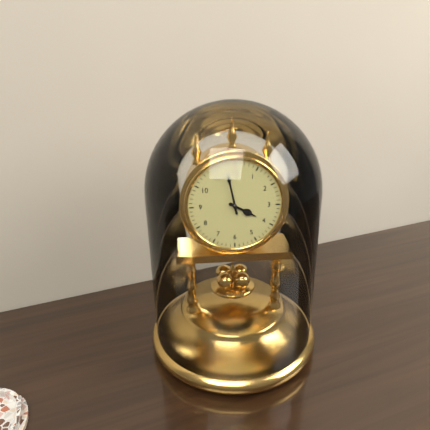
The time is 3:58
